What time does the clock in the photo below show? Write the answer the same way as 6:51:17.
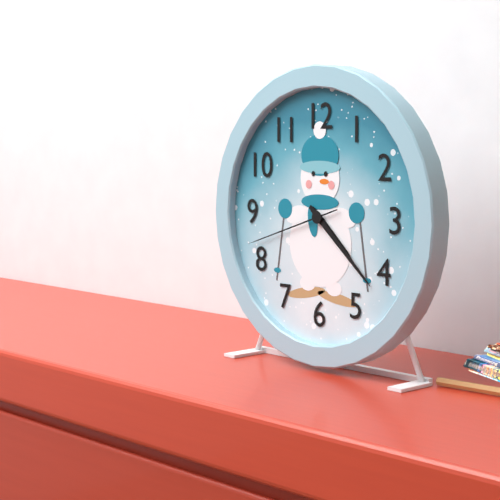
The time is 4:22:42
